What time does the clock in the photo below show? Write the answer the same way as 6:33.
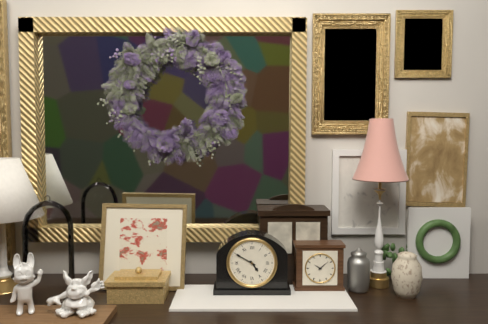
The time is 4:50
